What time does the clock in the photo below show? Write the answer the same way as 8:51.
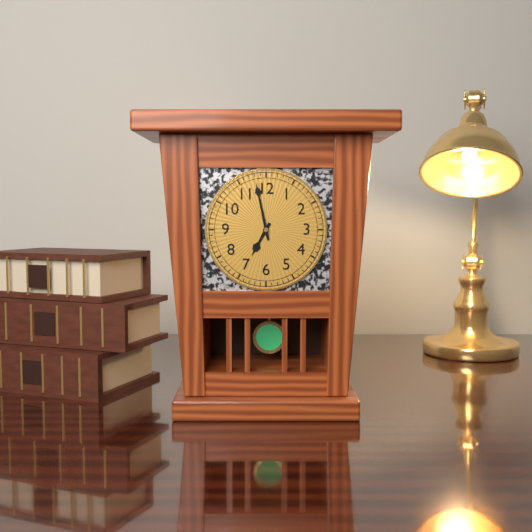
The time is 6:58
